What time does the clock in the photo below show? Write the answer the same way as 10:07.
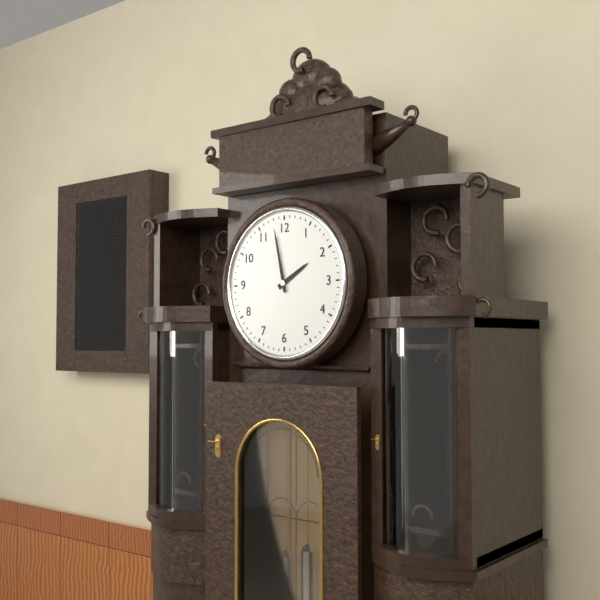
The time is 1:58
